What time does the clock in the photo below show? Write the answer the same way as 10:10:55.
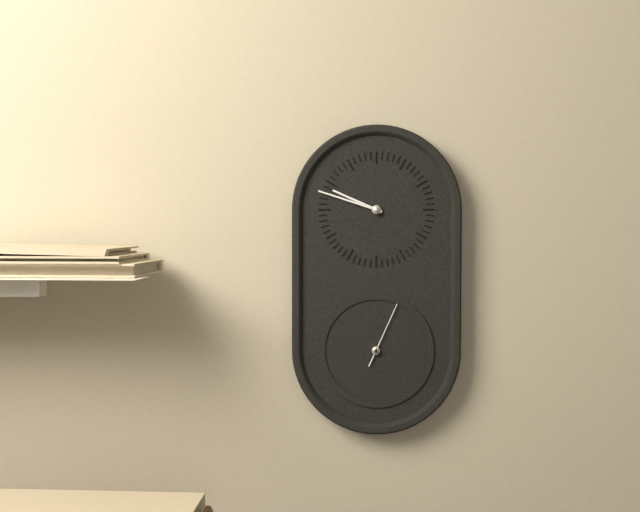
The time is 9:48:04
